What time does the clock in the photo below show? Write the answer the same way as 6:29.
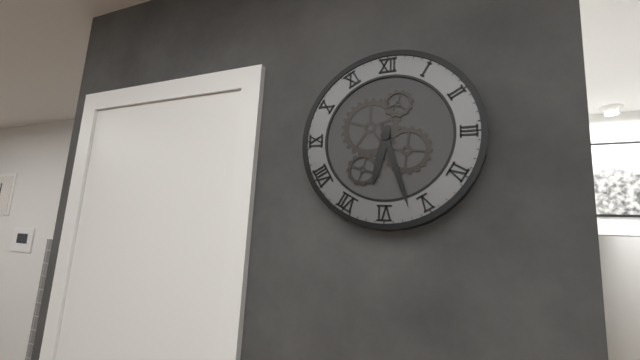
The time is 6:27
